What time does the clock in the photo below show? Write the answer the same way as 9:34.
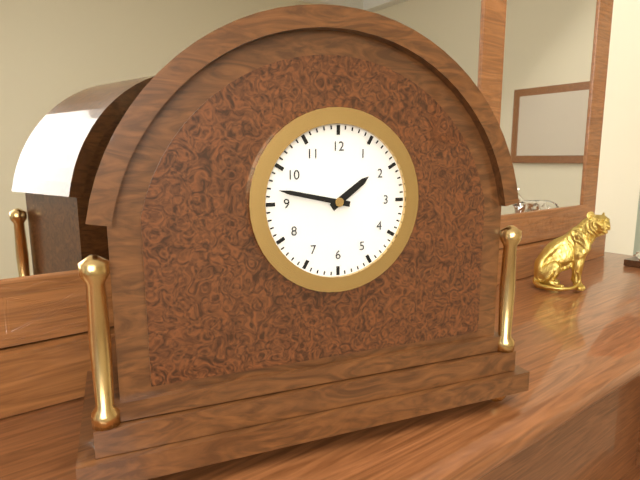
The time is 1:47
